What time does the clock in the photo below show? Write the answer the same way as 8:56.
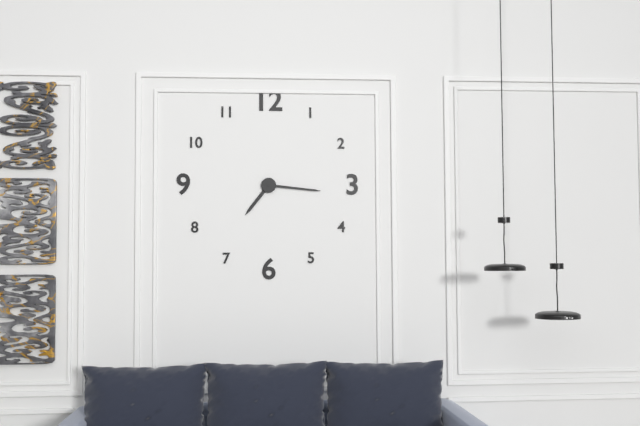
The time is 7:16
